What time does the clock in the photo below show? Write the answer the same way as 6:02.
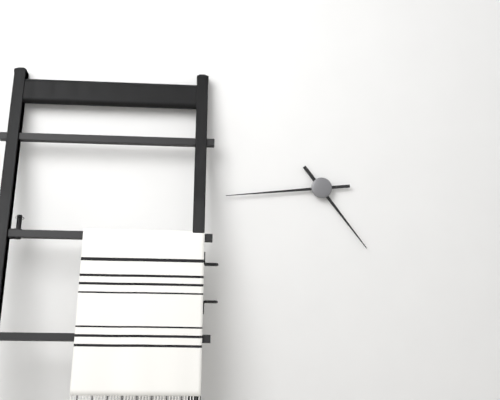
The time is 4:44
